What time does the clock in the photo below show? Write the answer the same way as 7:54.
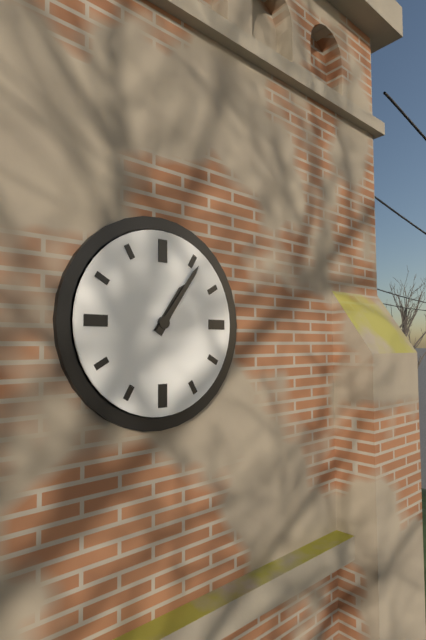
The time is 1:06
